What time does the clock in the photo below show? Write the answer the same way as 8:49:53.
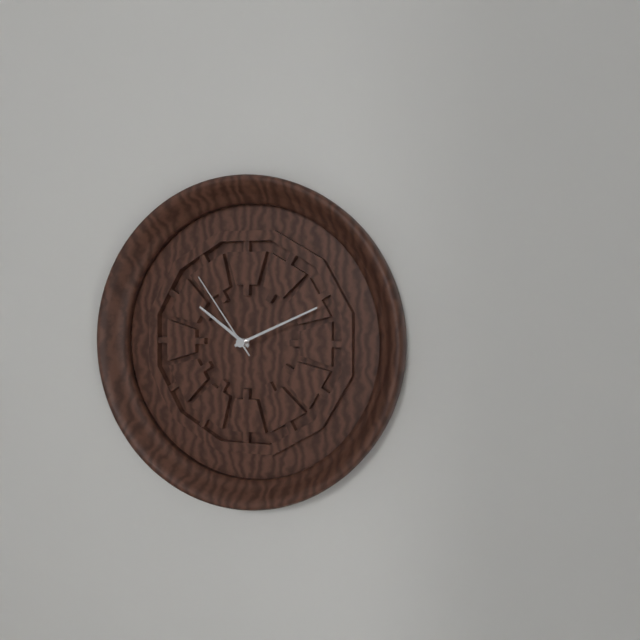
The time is 10:11:54
